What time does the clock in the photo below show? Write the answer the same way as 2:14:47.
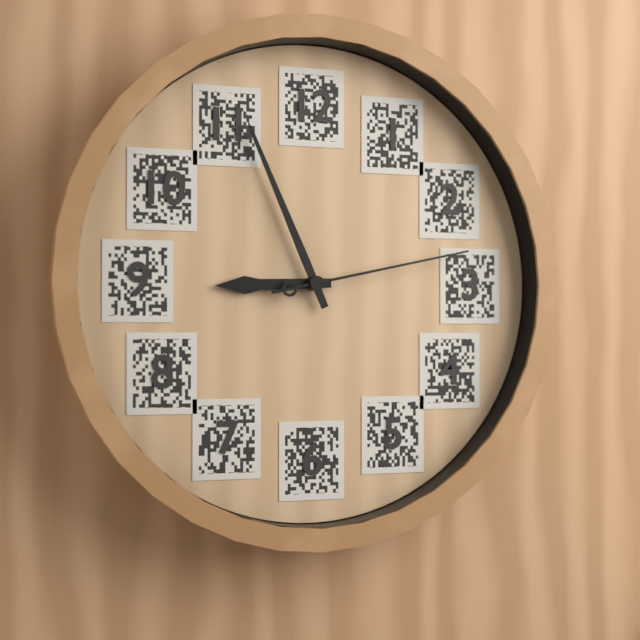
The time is 8:56:13
